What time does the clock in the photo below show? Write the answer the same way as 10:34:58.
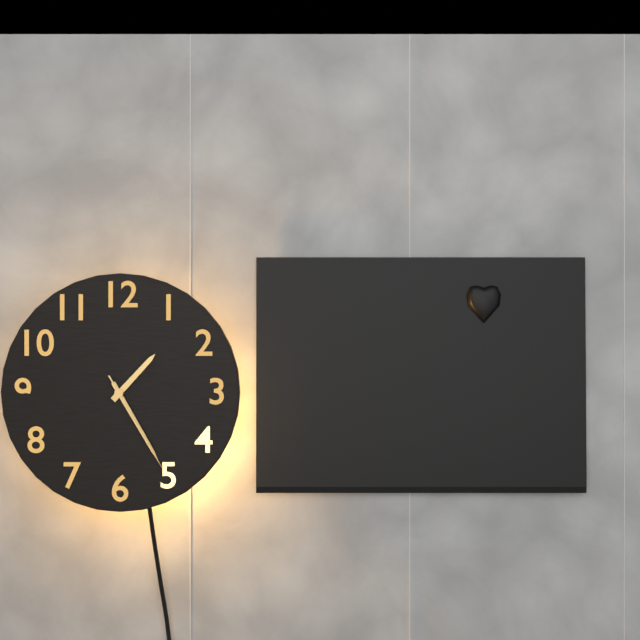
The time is 1:25:25
